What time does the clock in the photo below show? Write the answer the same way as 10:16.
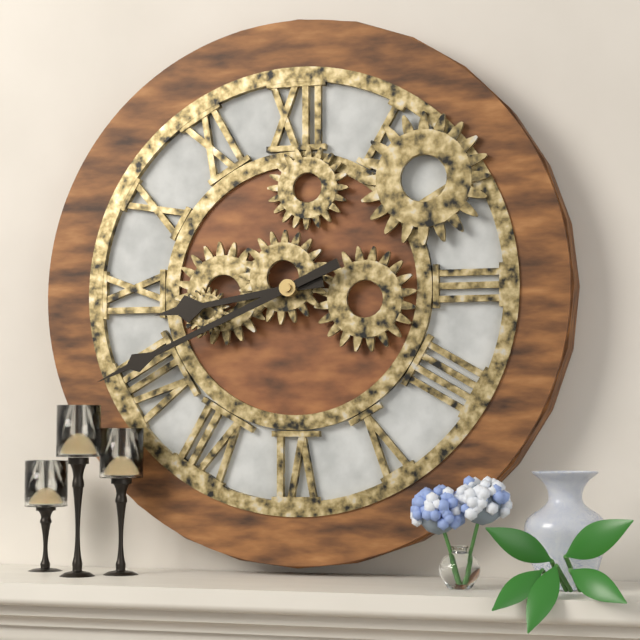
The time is 8:41
